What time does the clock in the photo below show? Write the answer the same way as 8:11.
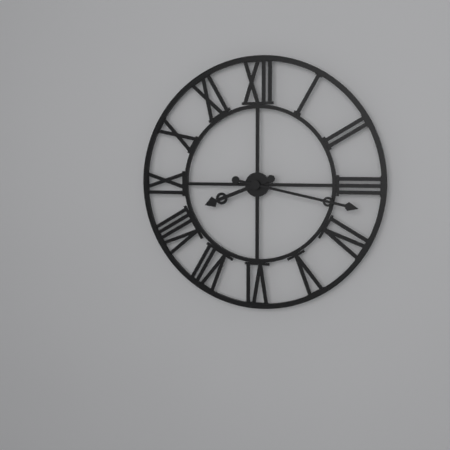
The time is 8:17
